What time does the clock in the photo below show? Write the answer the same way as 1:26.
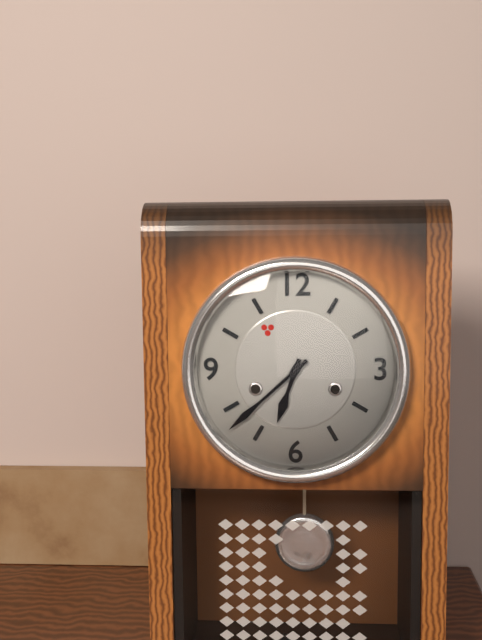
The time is 6:38
